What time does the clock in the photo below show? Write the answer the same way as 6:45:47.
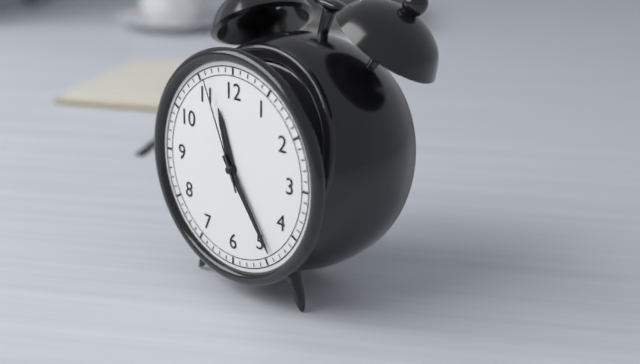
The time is 11:24:56
